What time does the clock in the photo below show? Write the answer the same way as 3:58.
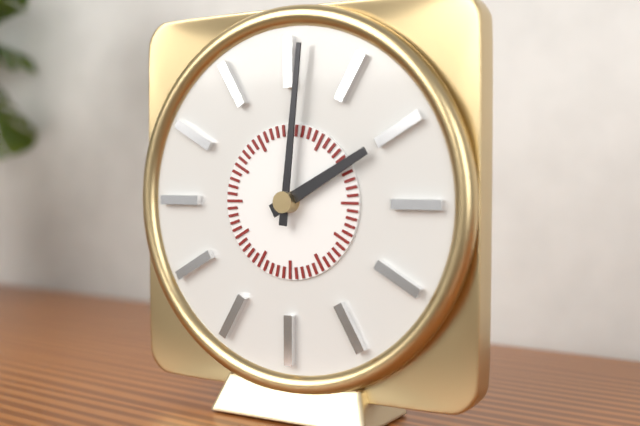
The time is 2:01
